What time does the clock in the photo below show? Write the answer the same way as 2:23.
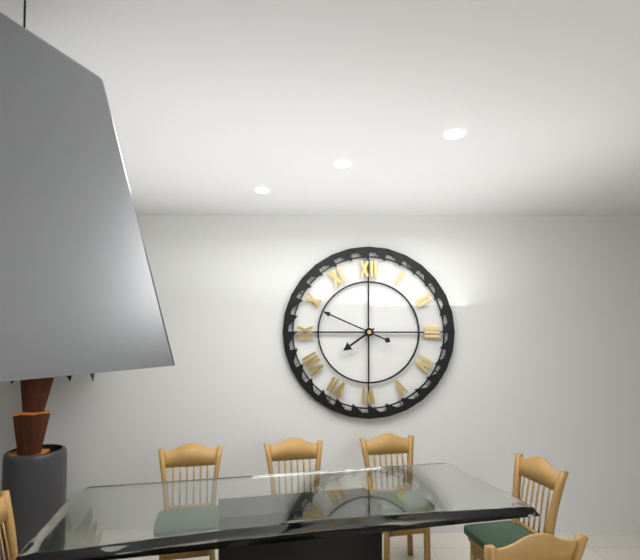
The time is 7:49
